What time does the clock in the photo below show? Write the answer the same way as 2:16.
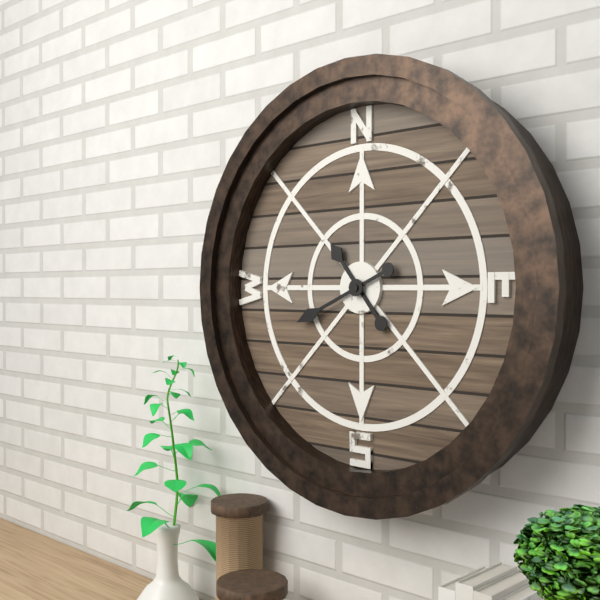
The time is 10:41
